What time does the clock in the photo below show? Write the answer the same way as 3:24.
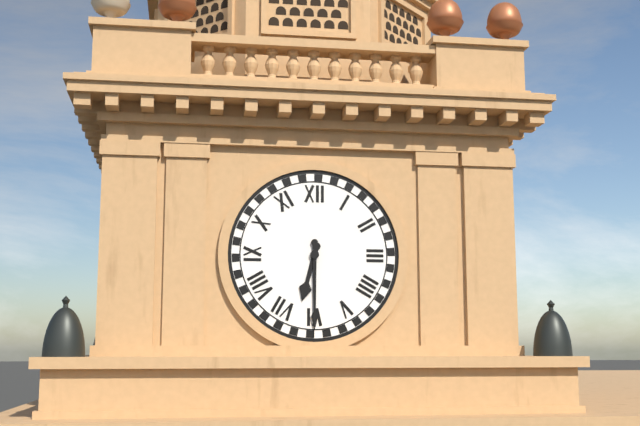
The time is 6:30
